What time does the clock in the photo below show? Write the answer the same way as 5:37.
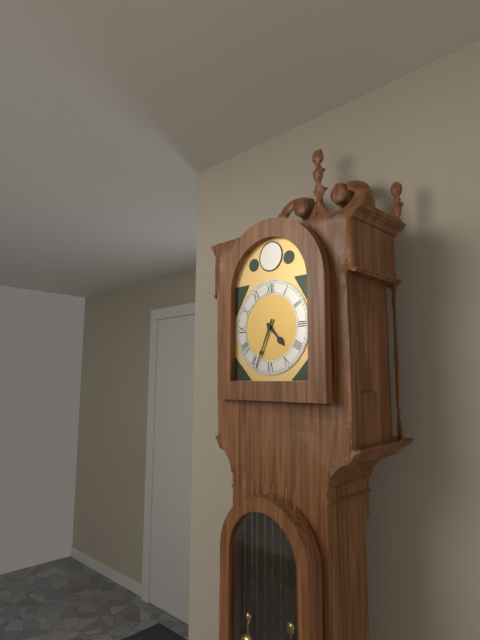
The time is 4:34
